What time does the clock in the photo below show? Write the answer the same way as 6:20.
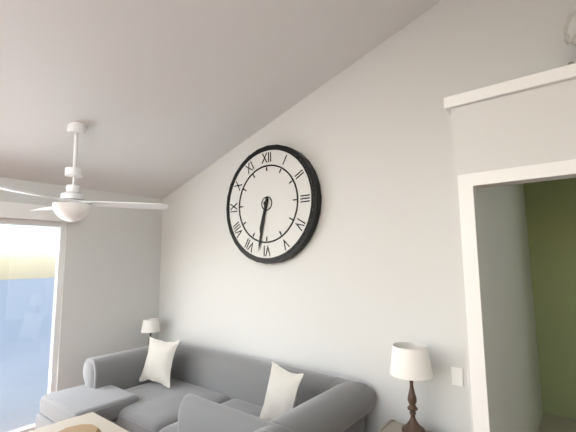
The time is 6:32
